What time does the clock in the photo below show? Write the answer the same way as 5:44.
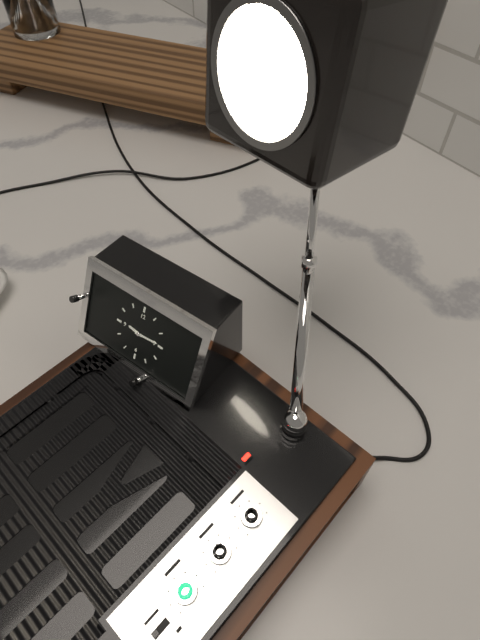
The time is 9:14
